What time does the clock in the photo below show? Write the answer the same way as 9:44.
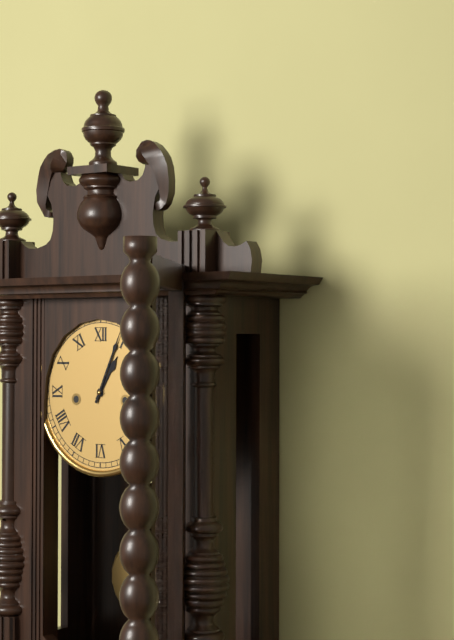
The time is 1:04
